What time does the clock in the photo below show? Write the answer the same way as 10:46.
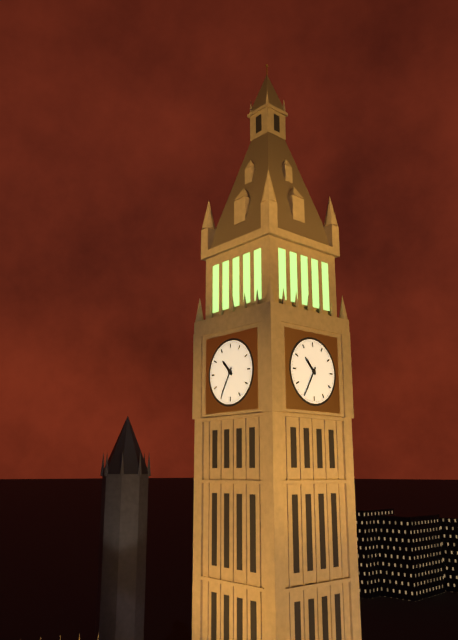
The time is 10:35
